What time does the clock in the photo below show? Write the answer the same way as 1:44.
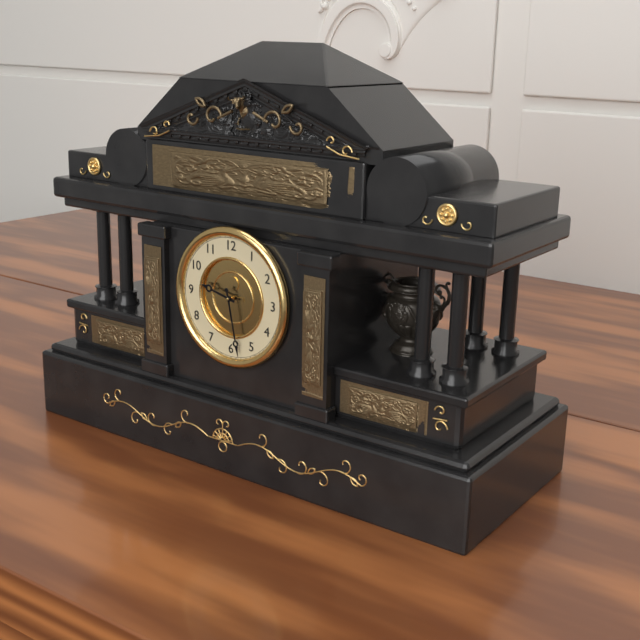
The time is 9:28
